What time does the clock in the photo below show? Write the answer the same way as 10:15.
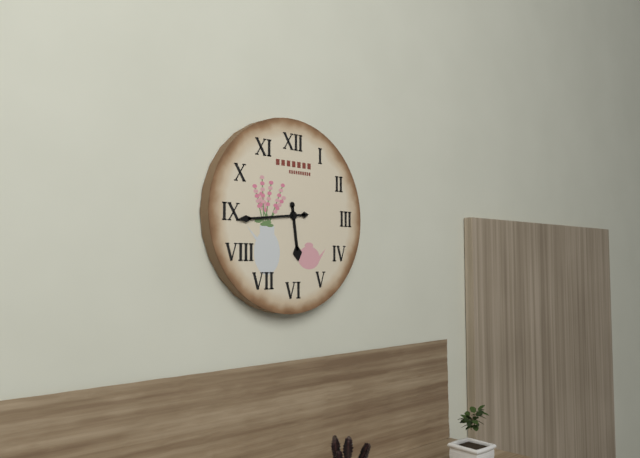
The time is 5:44
